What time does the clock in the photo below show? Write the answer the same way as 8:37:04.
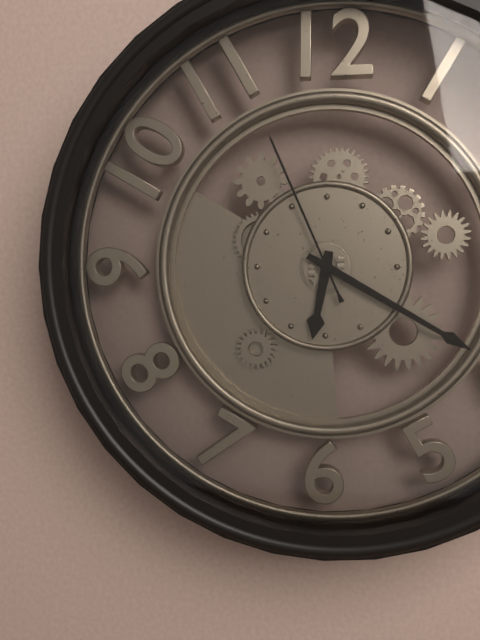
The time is 6:20:56
